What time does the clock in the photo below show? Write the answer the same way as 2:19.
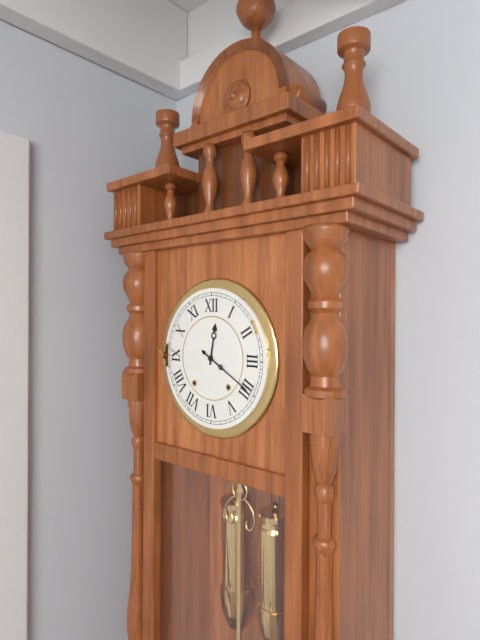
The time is 12:20
